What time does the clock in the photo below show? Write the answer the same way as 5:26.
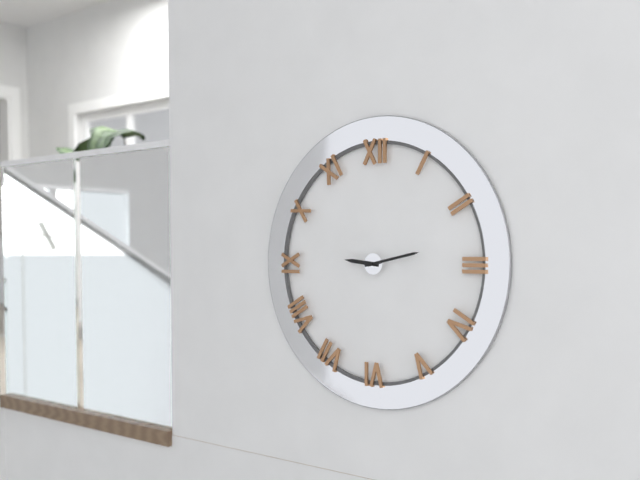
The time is 9:13
